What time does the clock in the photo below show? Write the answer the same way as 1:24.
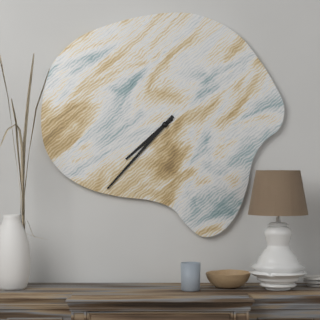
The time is 7:37
